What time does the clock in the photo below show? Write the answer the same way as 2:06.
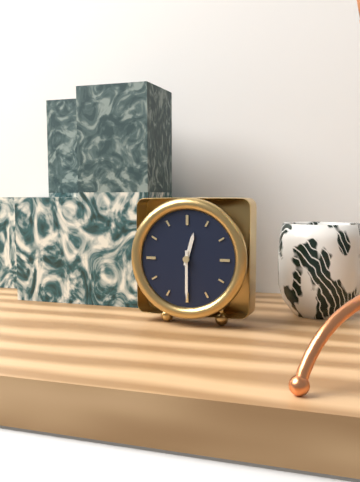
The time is 12:30
